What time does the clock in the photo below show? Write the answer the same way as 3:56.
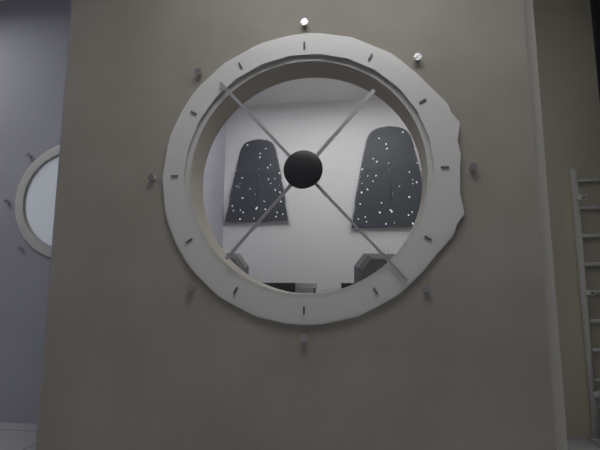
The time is 7:23
